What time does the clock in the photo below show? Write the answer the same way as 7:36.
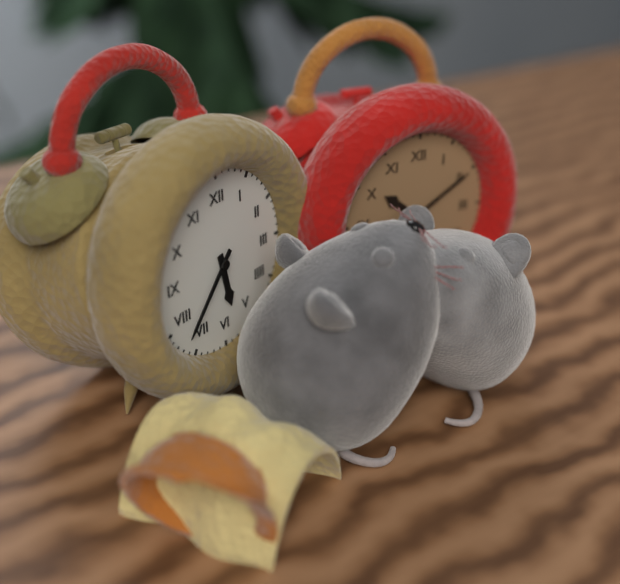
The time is 5:37
